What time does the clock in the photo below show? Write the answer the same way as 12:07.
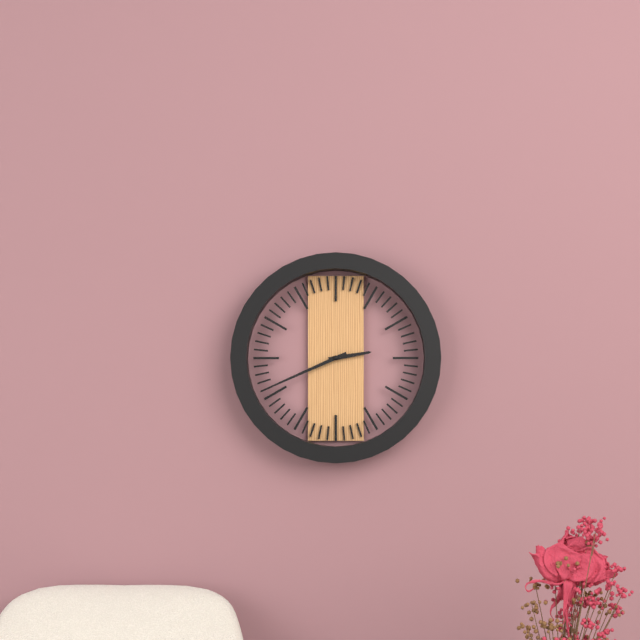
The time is 2:41
